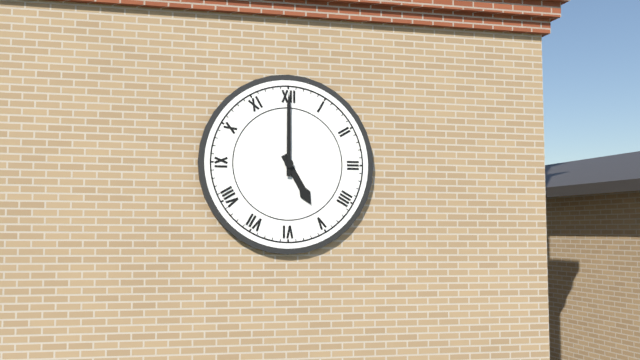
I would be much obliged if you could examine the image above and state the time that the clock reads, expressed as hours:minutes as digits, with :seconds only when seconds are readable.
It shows 5:00
